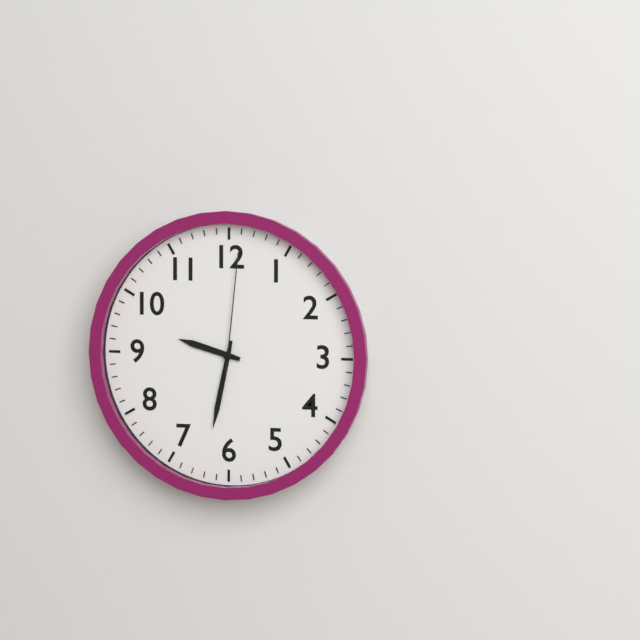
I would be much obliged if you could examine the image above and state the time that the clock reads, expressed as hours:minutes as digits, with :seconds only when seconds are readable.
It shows 9:32:01
